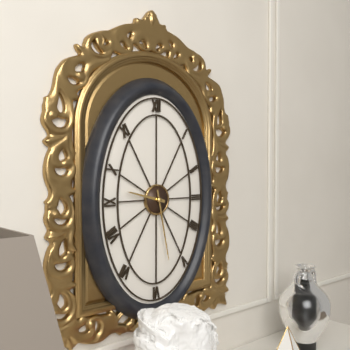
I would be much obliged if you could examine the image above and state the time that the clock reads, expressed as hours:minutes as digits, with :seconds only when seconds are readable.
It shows 9:28
